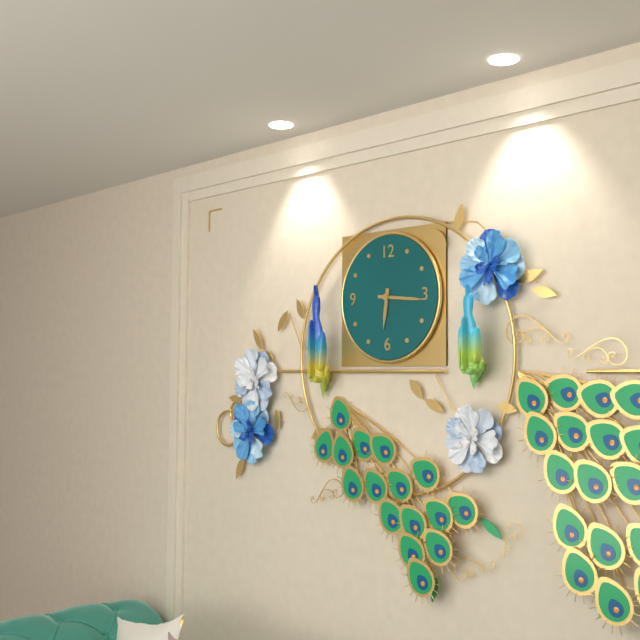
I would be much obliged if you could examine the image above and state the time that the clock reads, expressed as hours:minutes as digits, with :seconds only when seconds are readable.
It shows 6:16
